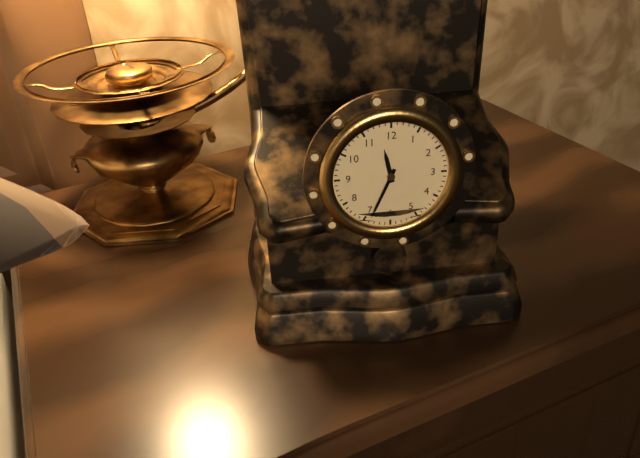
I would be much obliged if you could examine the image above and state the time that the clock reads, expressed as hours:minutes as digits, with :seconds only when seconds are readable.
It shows 11:34
